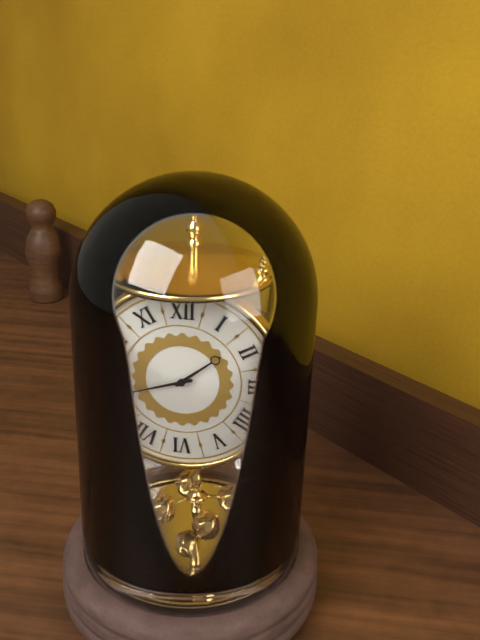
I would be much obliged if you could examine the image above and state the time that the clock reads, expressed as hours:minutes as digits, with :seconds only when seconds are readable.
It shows 1:42
